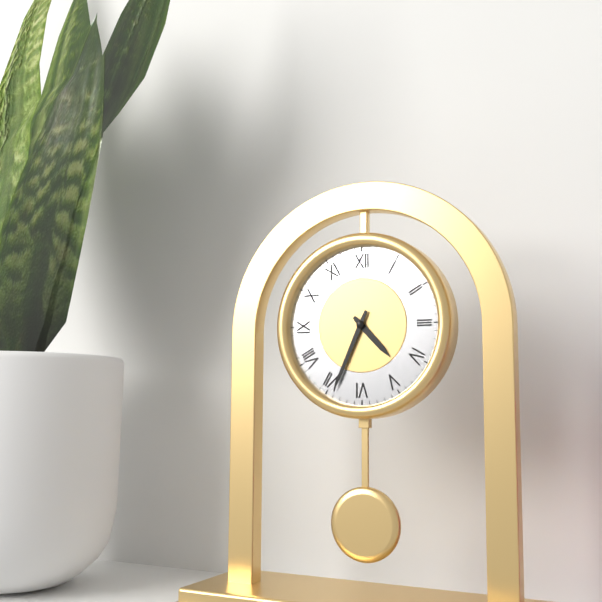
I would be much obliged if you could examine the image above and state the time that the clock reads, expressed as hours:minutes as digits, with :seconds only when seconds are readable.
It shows 4:34
